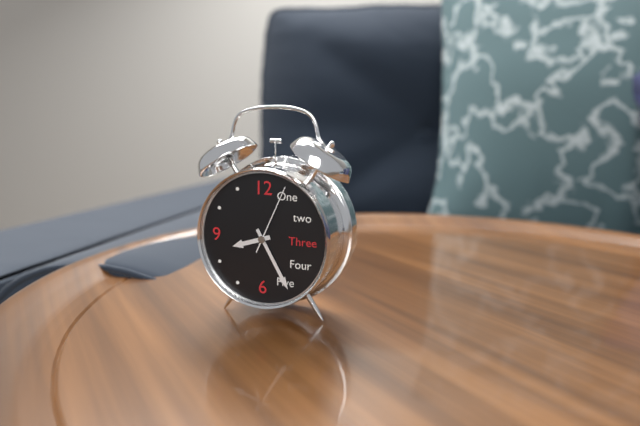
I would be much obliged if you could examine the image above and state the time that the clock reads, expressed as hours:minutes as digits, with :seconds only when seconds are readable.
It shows 8:25:04
